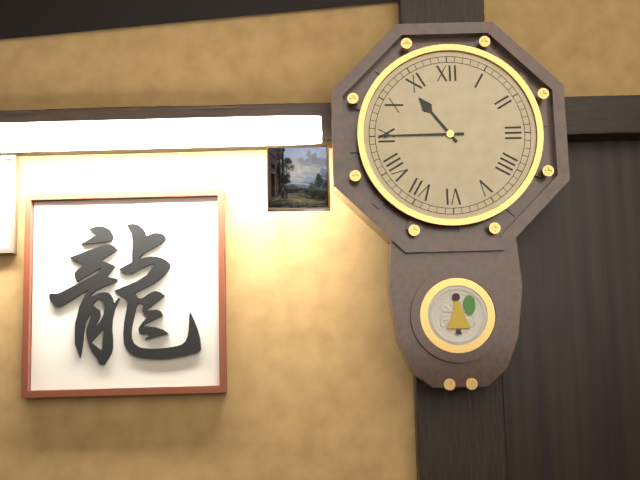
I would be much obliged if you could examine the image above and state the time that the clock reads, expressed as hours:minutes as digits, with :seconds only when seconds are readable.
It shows 10:45
